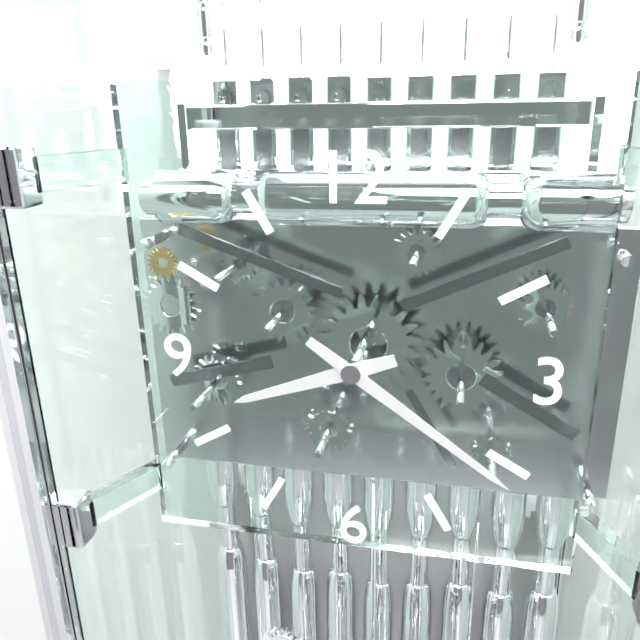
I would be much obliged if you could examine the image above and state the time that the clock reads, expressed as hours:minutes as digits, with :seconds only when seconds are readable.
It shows 8:21
